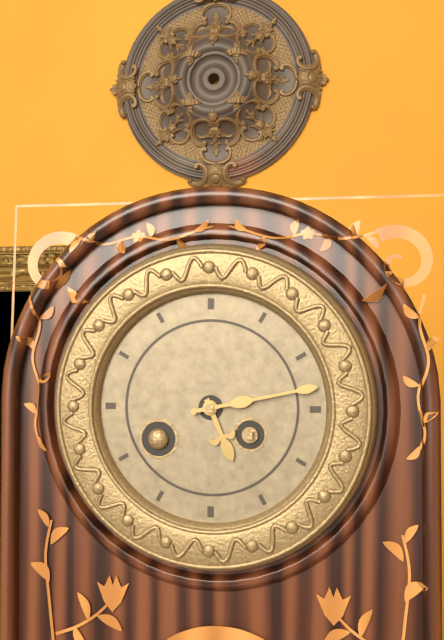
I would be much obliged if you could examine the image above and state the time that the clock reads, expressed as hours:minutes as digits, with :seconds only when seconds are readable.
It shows 5:13
